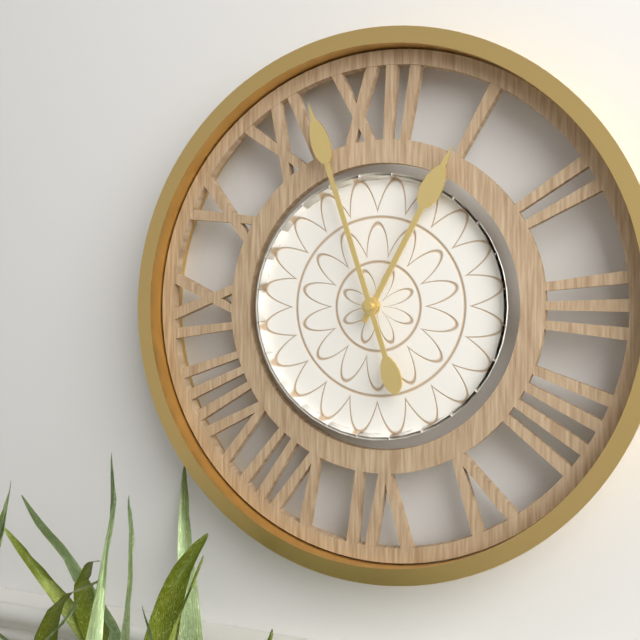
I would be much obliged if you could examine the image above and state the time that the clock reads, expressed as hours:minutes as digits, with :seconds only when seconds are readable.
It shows 12:57
